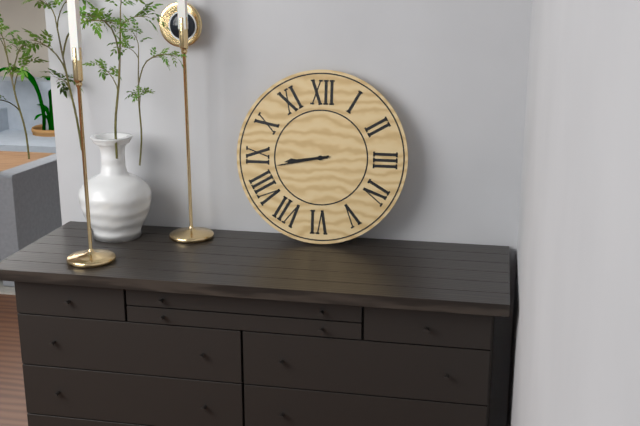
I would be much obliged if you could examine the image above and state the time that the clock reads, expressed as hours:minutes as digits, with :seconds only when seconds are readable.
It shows 8:43
